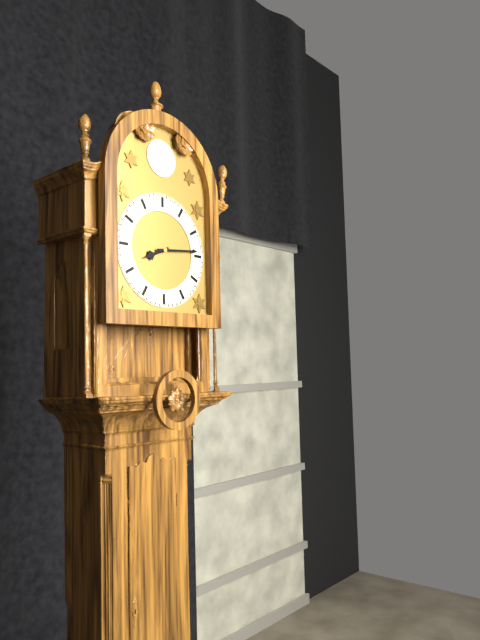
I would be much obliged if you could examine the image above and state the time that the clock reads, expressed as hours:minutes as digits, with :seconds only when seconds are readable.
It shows 8:14
